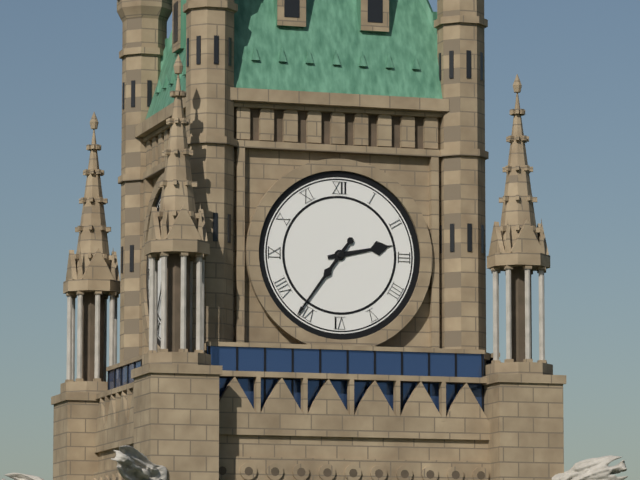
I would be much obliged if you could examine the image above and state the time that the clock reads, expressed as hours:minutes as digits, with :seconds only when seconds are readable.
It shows 2:36
